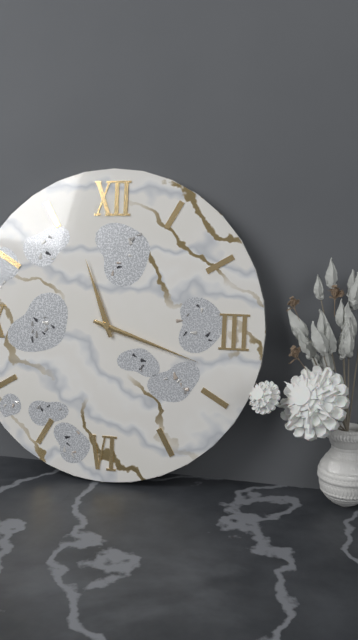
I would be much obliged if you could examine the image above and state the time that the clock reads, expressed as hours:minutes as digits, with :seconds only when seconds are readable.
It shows 11:18
